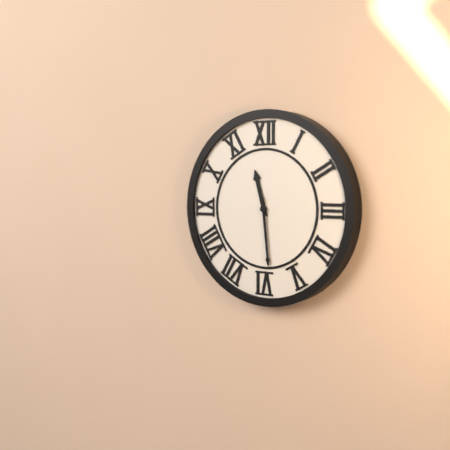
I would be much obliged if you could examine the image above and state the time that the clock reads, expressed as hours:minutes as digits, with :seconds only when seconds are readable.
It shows 11:29
